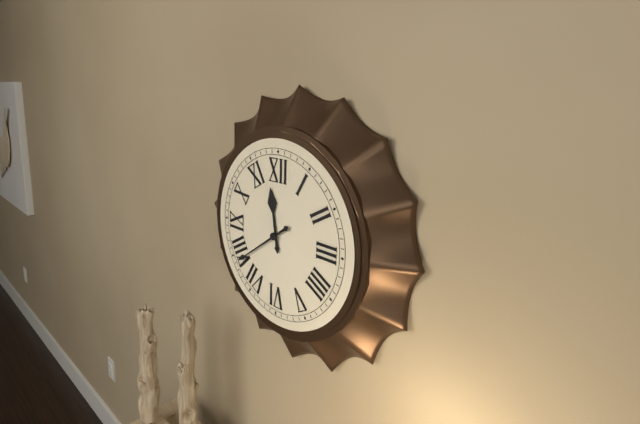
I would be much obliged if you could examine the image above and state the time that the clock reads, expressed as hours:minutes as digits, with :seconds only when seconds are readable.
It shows 11:39
